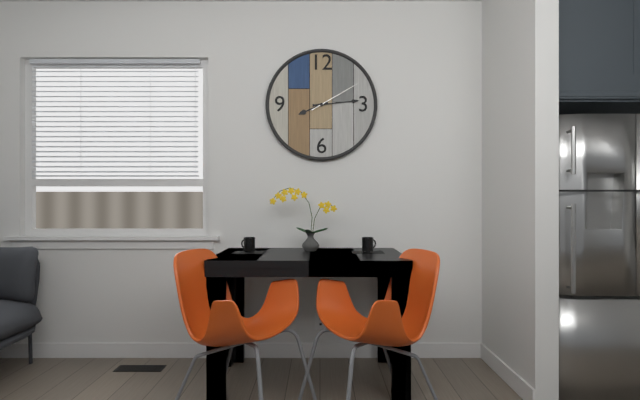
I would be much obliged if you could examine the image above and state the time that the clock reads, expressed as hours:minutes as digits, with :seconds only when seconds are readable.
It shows 8:14:10
